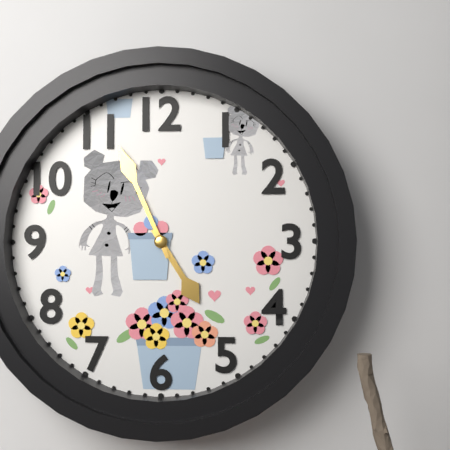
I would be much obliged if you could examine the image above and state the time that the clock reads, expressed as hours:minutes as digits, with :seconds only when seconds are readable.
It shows 4:56
